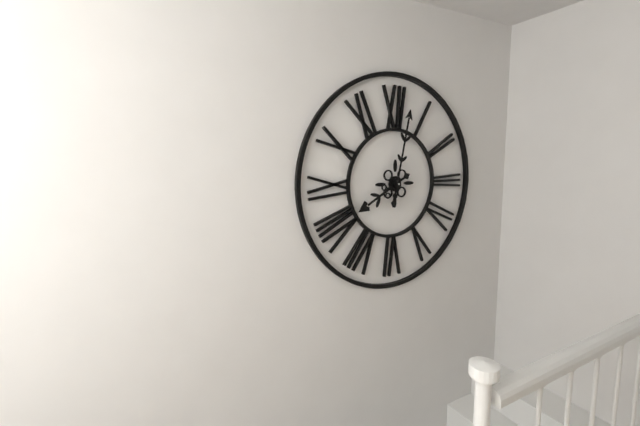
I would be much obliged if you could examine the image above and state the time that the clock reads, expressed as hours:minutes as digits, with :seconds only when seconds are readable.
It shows 8:02
